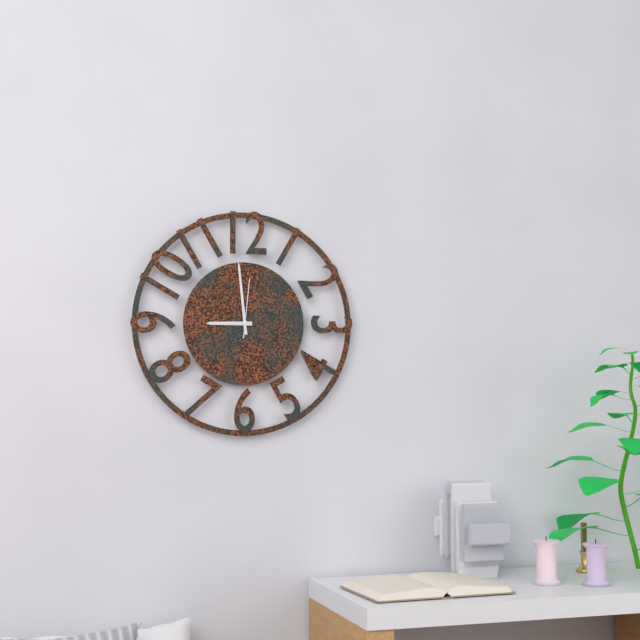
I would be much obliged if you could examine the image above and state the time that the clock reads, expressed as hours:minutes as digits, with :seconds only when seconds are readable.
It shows 8:59:01
